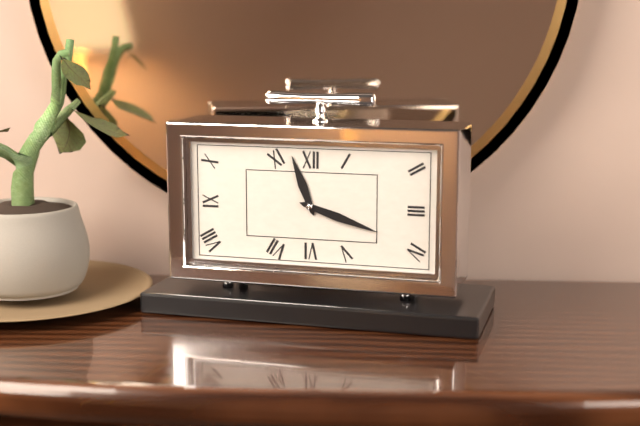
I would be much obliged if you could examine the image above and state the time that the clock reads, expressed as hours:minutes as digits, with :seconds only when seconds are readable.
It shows 11:18
